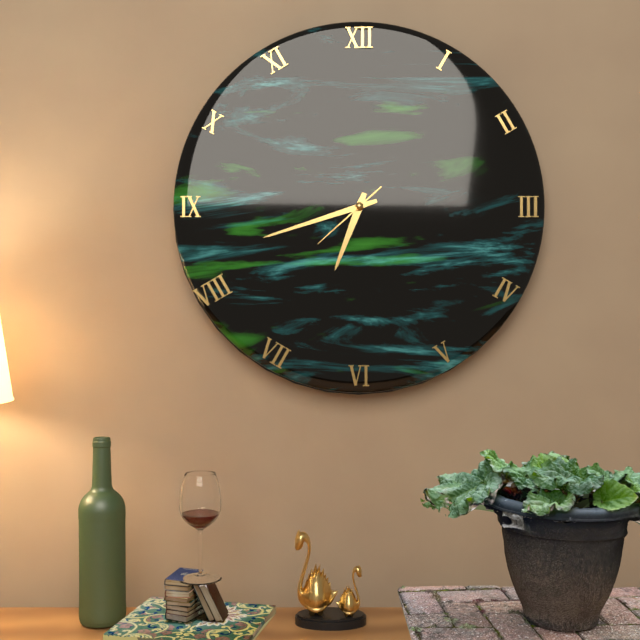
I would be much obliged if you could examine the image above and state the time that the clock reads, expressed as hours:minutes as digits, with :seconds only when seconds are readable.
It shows 6:42:38
